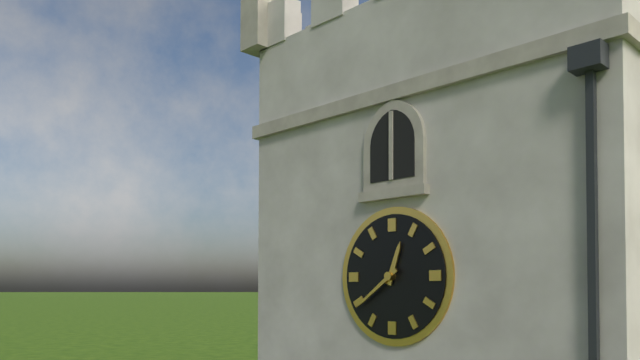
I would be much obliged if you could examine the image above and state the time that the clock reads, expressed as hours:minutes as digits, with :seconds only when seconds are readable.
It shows 12:39
